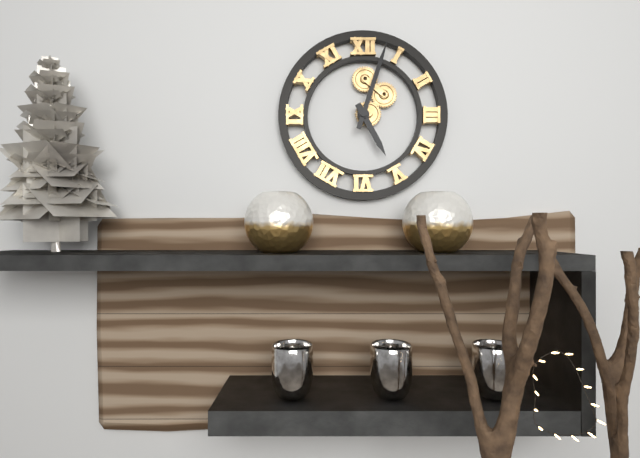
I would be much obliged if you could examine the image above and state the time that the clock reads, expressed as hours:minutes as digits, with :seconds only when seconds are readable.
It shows 5:03
